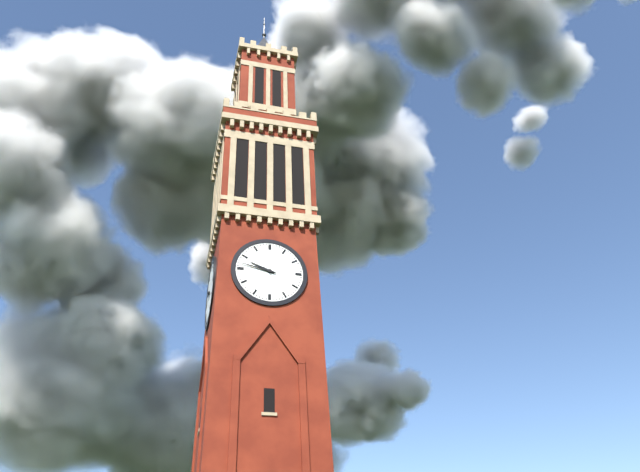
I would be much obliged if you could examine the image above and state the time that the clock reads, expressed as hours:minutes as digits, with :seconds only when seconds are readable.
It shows 9:47
